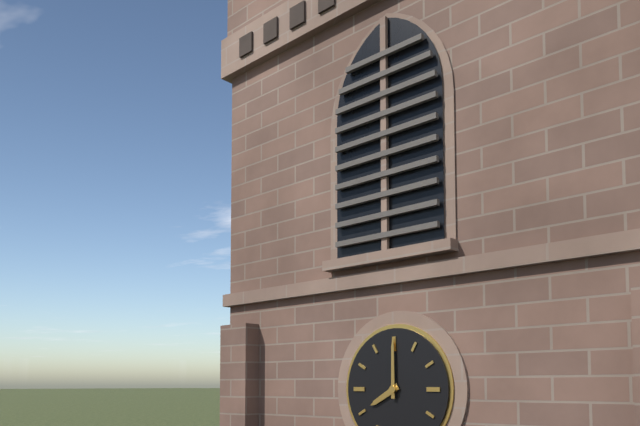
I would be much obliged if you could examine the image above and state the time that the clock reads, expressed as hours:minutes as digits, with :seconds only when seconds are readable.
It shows 8:00
